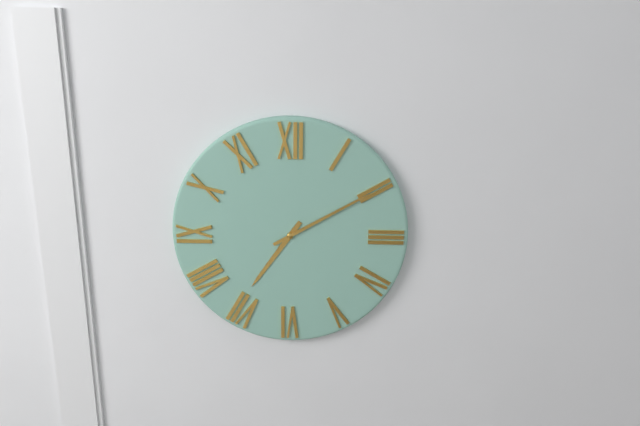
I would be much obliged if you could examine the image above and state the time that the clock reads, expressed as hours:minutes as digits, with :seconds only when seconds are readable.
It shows 7:10
